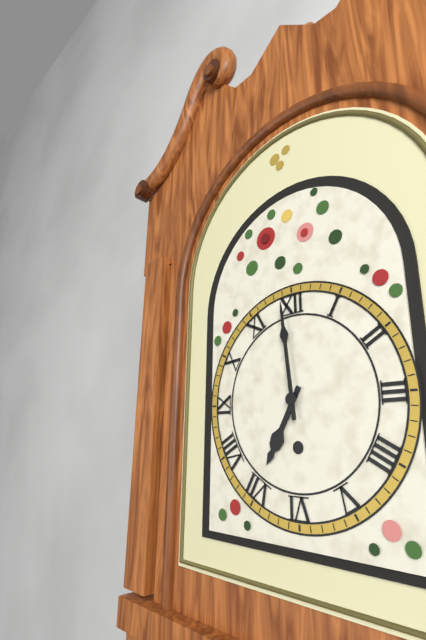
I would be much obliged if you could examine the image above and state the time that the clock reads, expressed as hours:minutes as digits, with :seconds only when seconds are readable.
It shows 6:59
